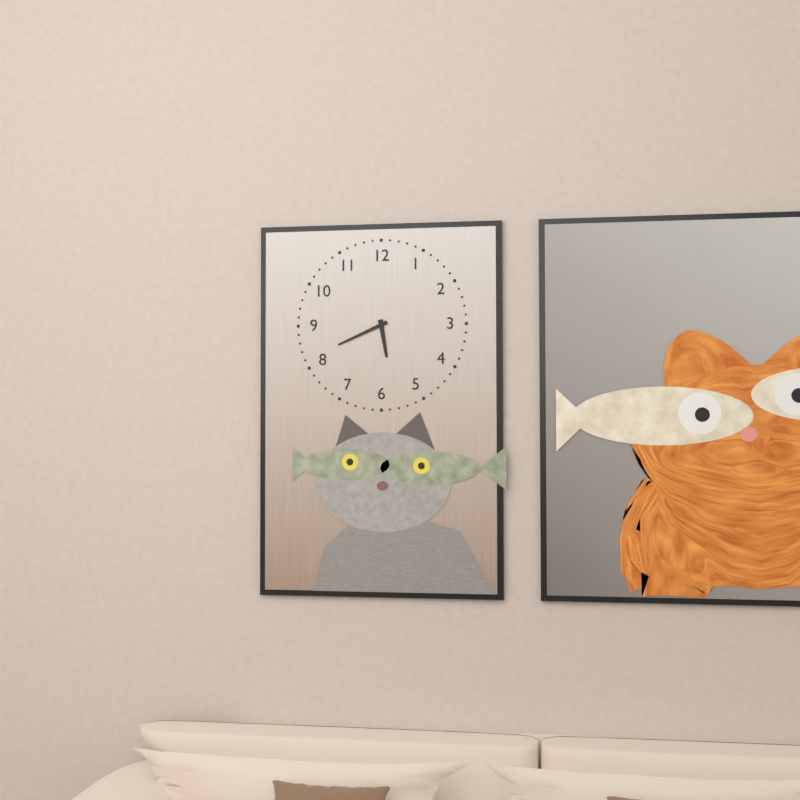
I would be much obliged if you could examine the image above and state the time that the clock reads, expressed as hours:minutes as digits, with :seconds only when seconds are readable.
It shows 5:41
